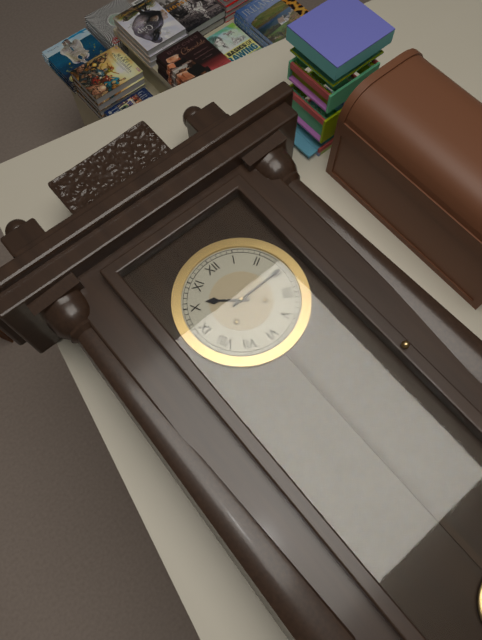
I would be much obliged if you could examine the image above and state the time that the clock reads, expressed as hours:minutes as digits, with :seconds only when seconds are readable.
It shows 10:15
